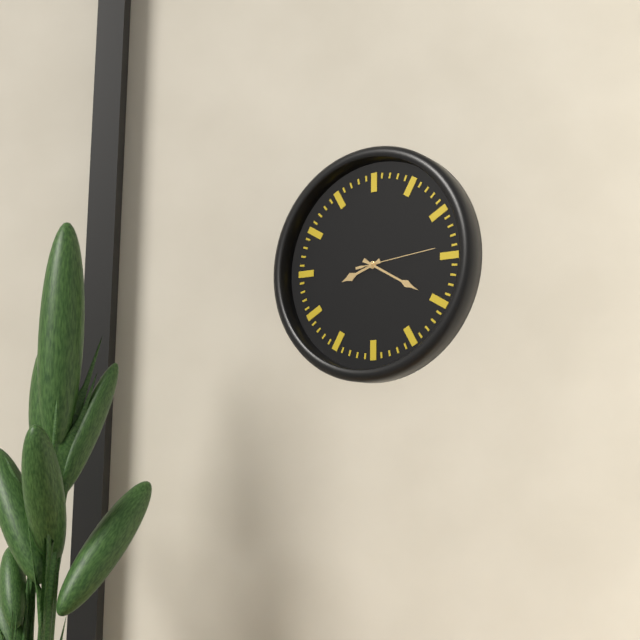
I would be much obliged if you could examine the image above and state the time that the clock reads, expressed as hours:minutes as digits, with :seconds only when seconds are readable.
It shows 8:20:14
